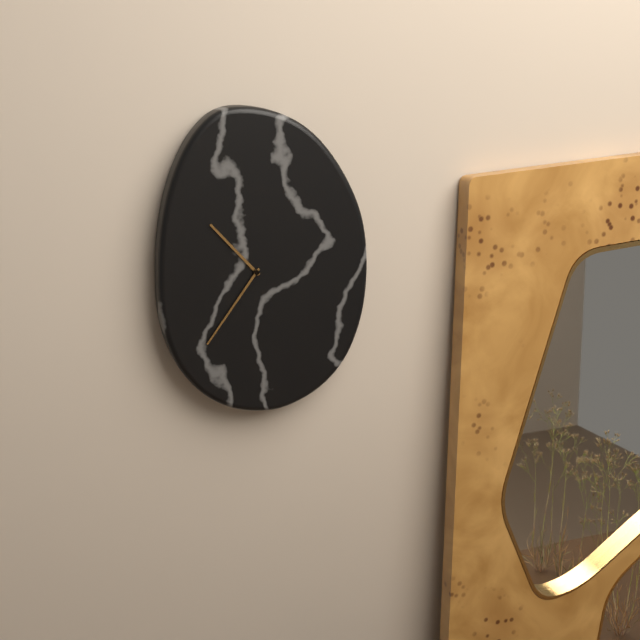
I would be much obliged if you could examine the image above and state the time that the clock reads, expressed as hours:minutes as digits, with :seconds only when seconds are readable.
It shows 10:36
